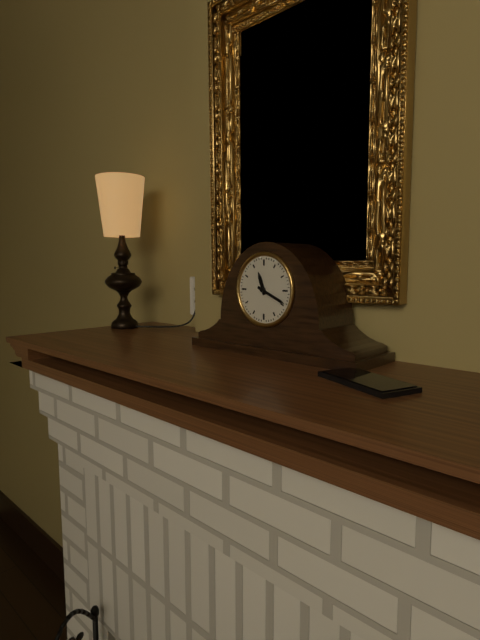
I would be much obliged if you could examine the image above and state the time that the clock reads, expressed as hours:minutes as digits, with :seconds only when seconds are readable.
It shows 11:19
